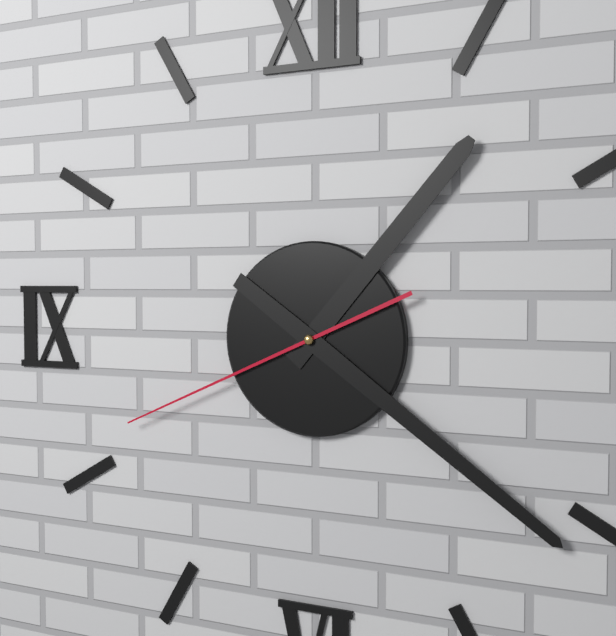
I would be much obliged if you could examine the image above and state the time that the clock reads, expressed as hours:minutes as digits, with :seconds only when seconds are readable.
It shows 1:21:41
